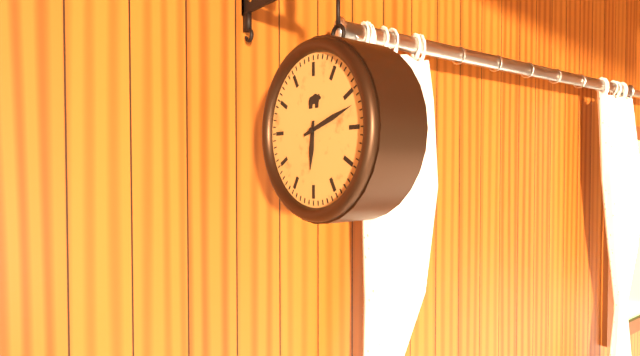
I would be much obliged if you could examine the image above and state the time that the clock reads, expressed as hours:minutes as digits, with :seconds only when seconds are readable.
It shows 6:12
